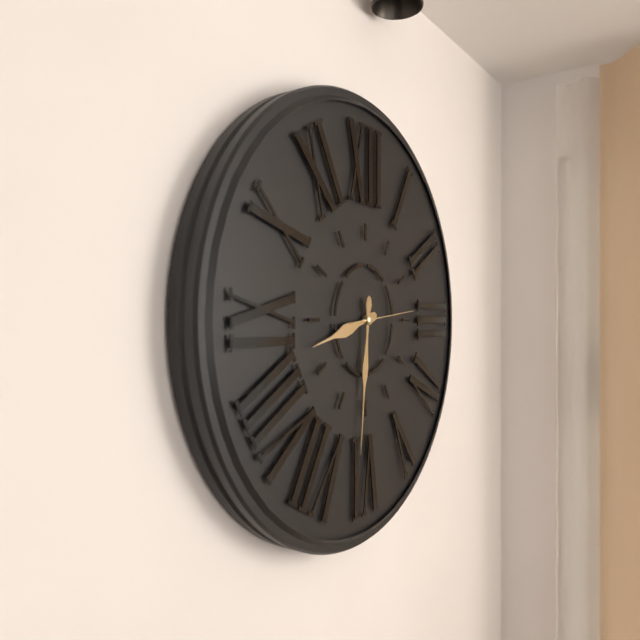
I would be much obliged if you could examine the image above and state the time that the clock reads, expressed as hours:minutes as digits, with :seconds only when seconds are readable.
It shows 8:31:14
